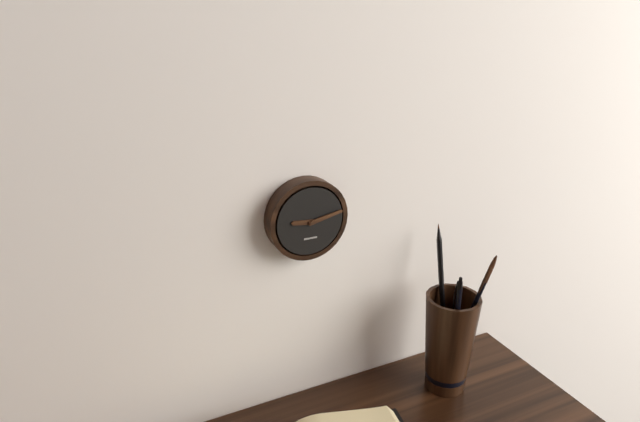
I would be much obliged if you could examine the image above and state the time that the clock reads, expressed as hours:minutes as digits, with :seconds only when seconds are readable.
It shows 9:13
